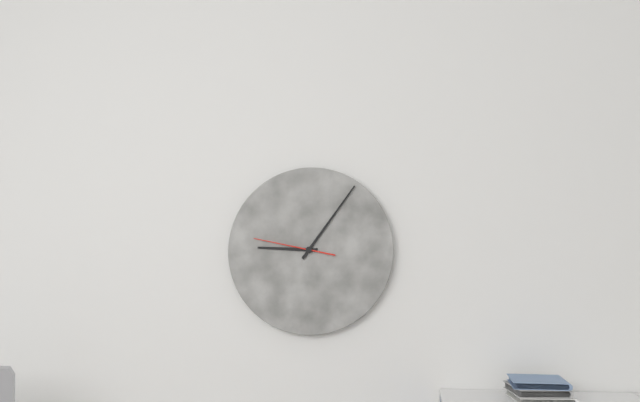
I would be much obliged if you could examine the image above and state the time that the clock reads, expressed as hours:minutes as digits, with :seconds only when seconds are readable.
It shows 9:06:47
